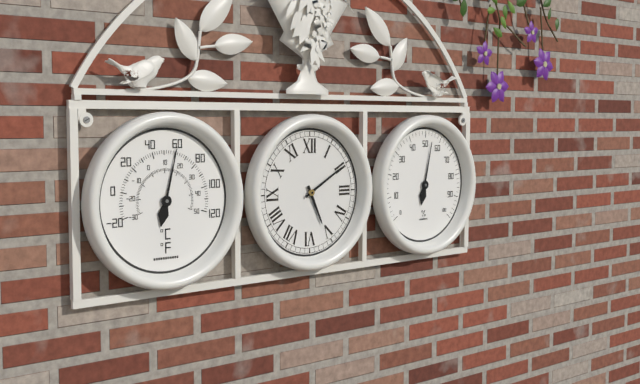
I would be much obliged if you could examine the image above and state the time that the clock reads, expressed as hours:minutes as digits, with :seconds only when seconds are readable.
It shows 5:10
